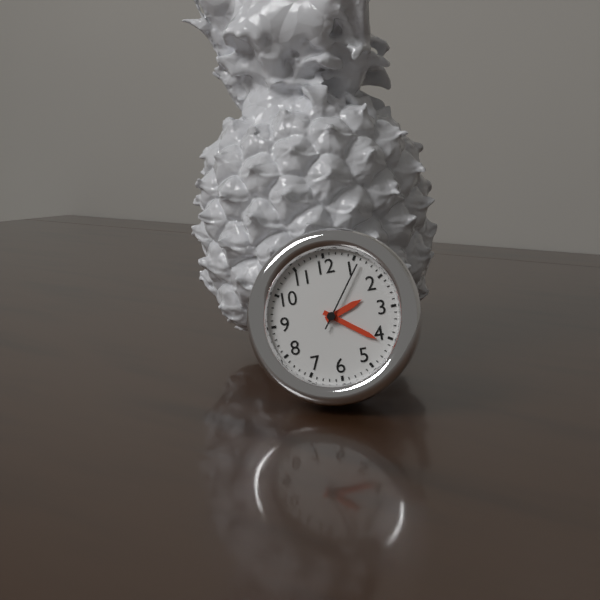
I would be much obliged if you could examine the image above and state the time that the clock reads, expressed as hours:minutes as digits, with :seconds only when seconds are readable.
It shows 2:21:06
